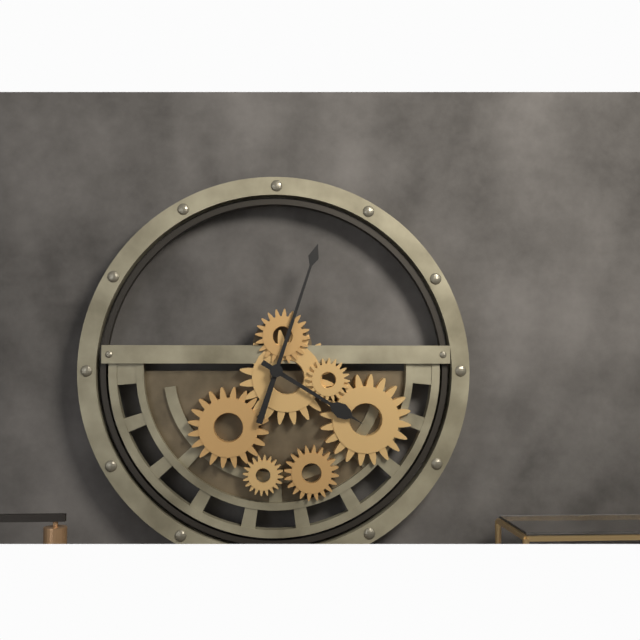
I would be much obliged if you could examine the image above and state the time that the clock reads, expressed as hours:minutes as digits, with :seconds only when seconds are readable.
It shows 4:03
